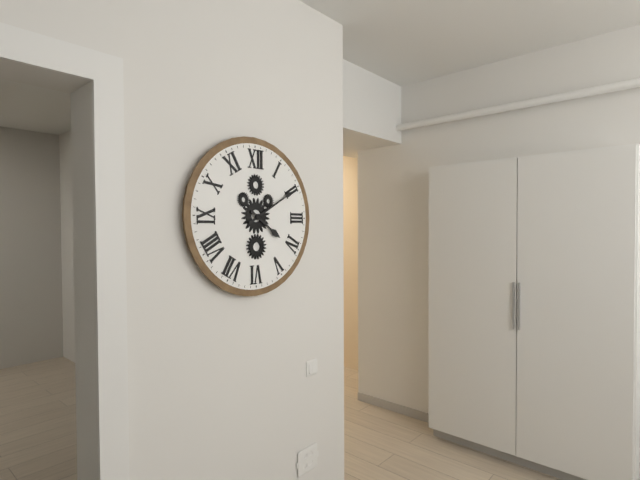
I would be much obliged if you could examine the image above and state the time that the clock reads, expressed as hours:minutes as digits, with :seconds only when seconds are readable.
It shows 4:10
